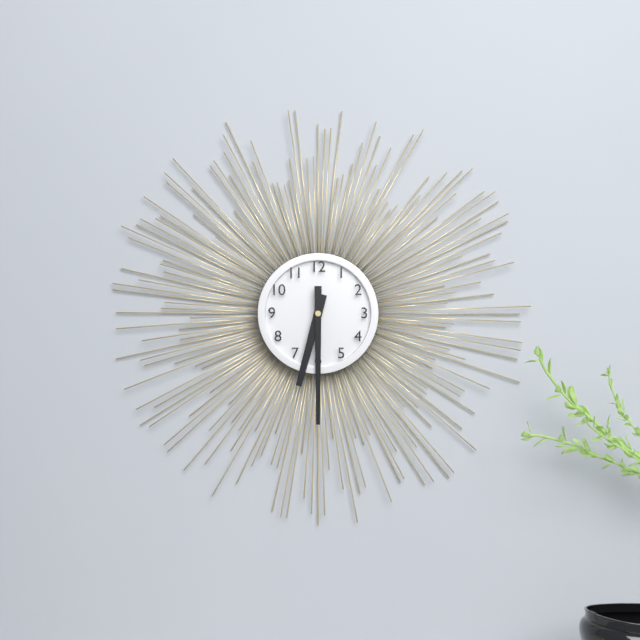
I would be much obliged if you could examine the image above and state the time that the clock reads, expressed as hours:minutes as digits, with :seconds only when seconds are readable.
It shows 6:30
